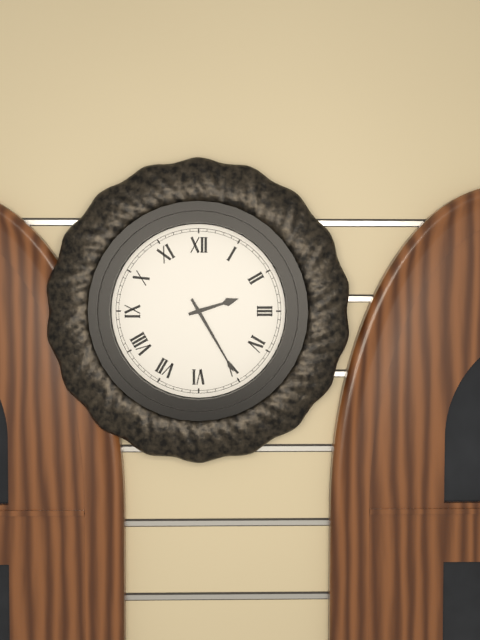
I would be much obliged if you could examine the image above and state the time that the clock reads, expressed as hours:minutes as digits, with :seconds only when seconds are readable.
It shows 2:25
